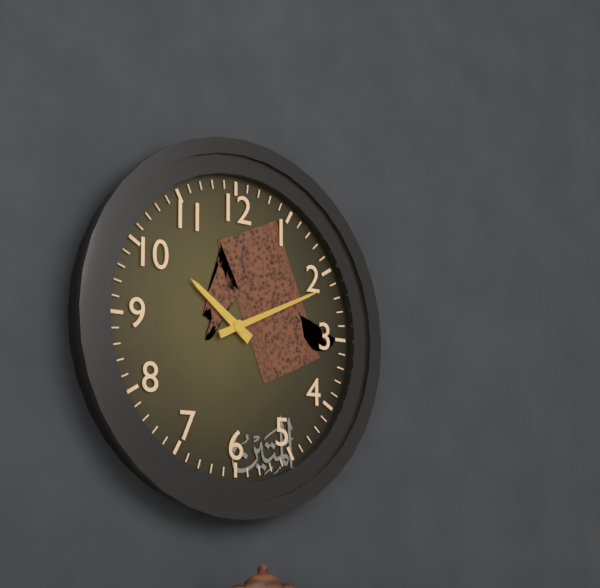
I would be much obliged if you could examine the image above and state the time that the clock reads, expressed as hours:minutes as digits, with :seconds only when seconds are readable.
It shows 10:11
